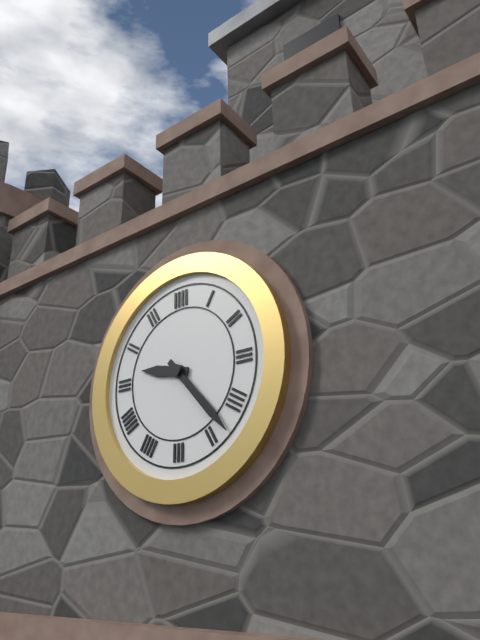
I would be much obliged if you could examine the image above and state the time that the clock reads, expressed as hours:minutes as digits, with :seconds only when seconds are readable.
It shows 9:23
